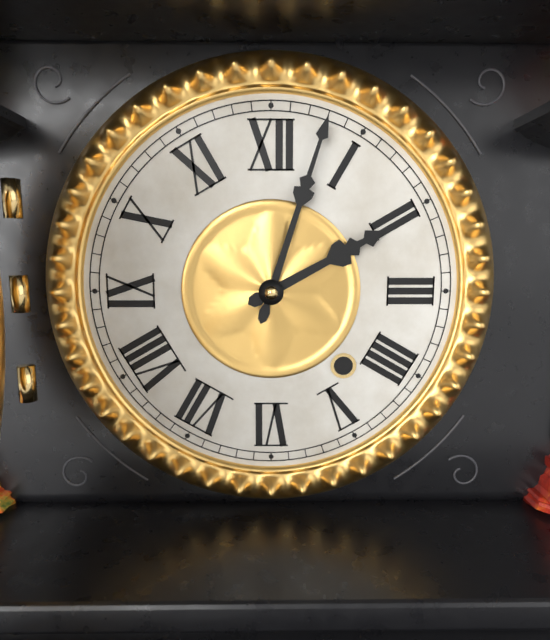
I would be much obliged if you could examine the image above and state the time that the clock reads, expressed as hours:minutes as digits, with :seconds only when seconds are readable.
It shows 2:03
